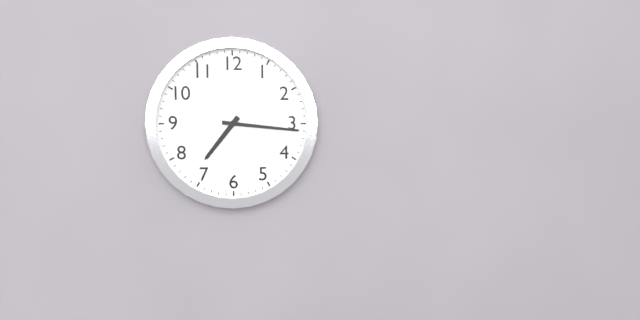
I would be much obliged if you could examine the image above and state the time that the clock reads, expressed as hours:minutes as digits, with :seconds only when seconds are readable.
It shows 7:16
